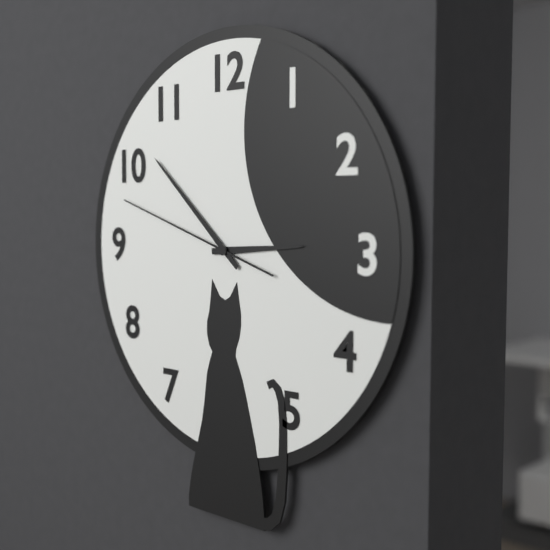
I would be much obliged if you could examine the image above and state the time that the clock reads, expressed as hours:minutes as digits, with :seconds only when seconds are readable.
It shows 2:52:48
